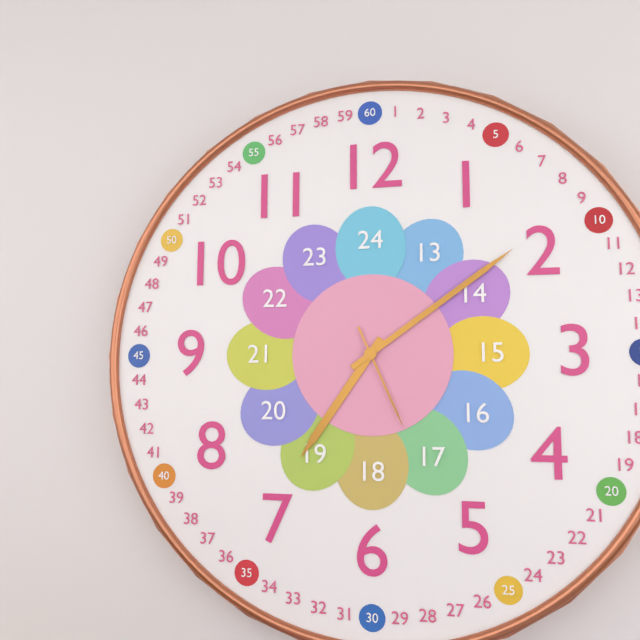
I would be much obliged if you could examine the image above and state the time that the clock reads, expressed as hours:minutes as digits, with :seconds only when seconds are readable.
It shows 7:09:26
